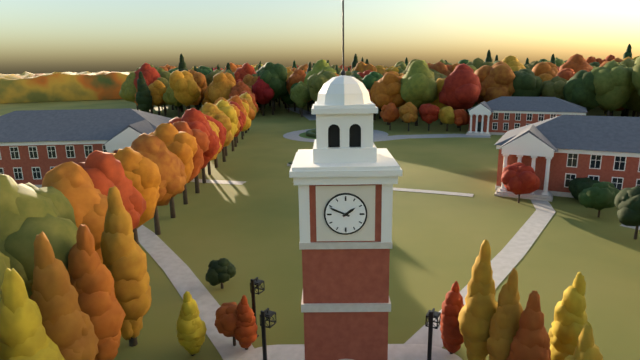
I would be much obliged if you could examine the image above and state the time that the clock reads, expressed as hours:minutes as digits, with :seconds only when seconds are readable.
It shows 1:49
